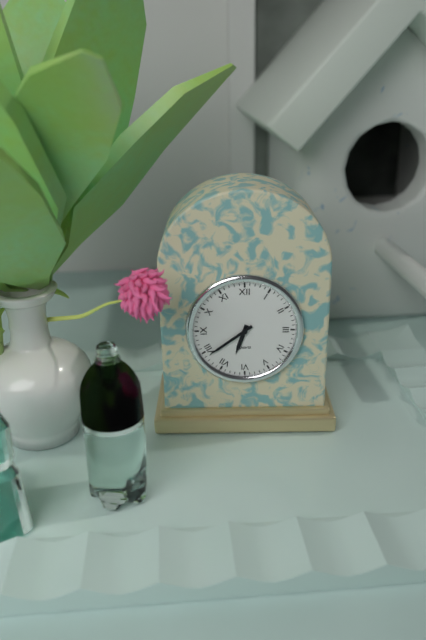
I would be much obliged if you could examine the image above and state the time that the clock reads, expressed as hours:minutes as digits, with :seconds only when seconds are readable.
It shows 6:39
